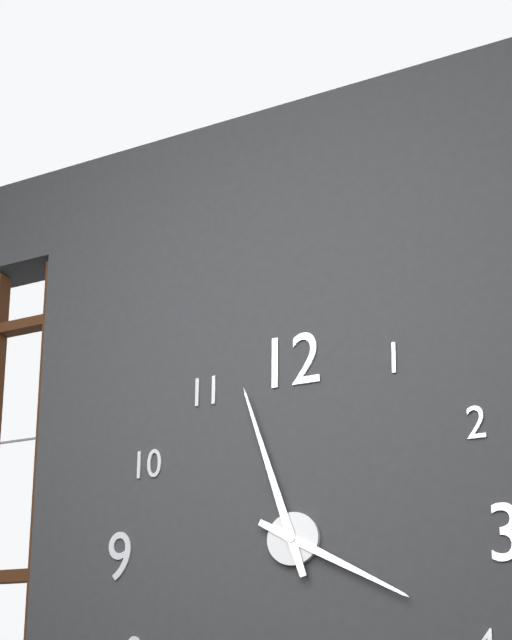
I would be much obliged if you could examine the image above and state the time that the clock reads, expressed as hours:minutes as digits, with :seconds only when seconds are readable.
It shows 3:57
